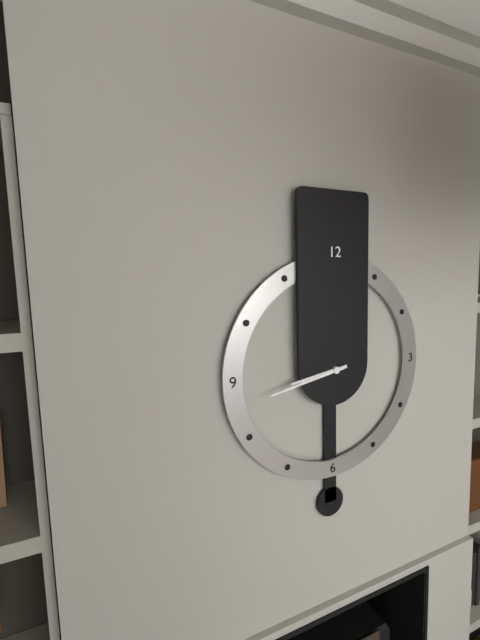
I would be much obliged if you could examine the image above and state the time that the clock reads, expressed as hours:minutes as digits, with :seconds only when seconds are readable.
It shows 8:43
